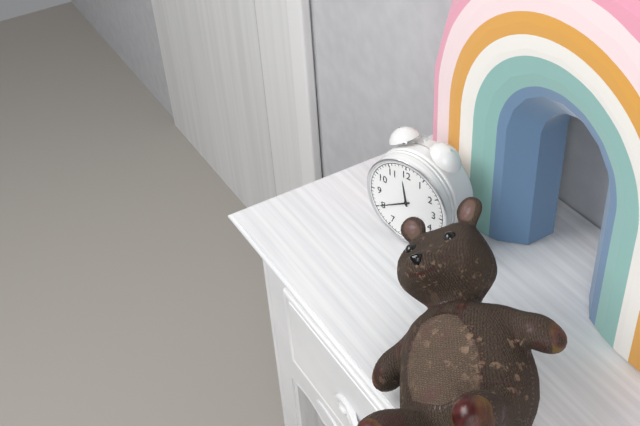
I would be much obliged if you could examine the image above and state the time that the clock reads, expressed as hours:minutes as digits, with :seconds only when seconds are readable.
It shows 11:40
